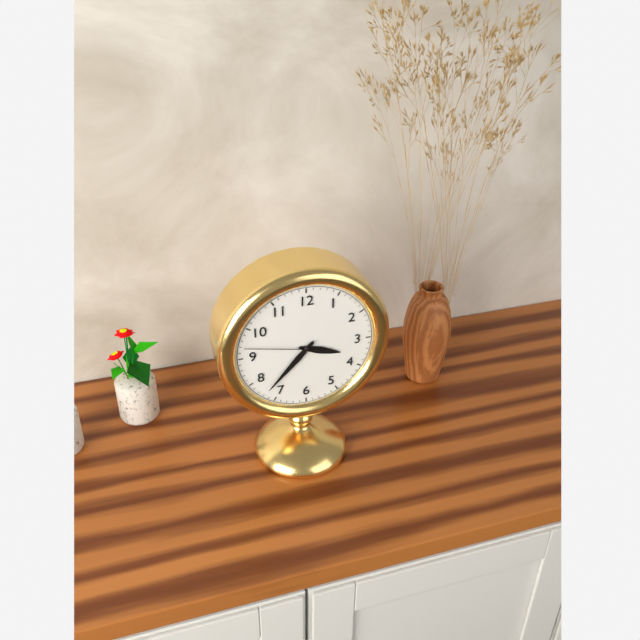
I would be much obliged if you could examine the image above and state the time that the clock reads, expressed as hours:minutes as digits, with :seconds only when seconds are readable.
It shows 3:37:47
